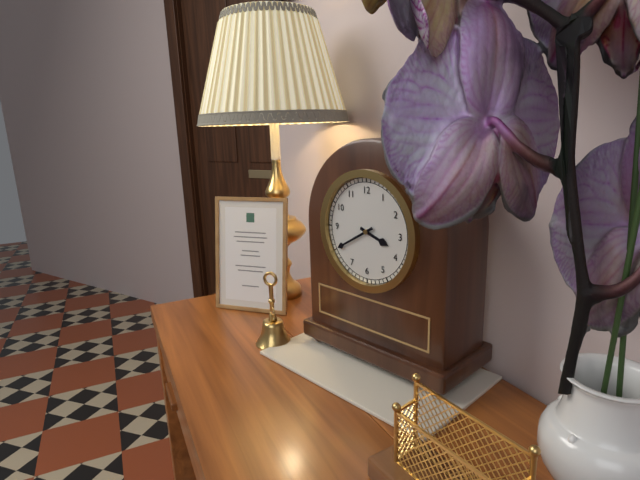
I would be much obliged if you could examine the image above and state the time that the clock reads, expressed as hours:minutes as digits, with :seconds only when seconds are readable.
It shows 3:40
